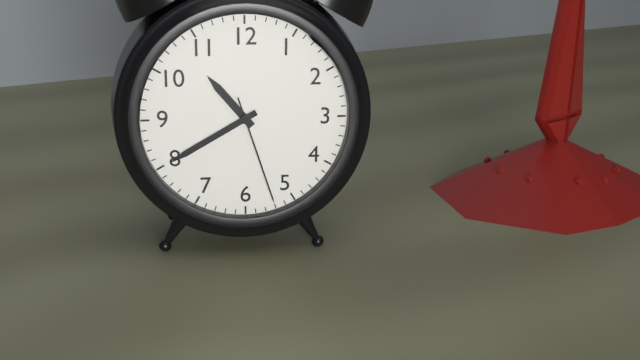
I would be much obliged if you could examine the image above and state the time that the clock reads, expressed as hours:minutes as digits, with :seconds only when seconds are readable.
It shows 10:40:27
